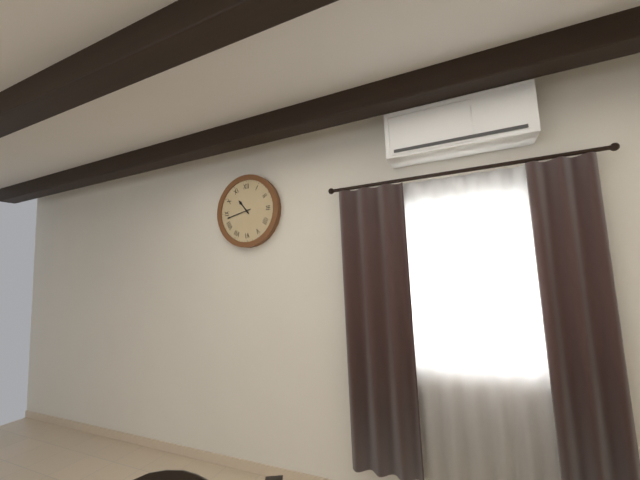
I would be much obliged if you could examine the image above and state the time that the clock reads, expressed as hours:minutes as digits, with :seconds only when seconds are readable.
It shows 10:43
